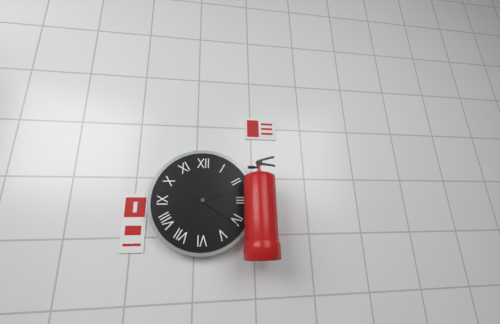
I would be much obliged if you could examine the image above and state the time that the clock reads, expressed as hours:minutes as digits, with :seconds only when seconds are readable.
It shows 2:21
